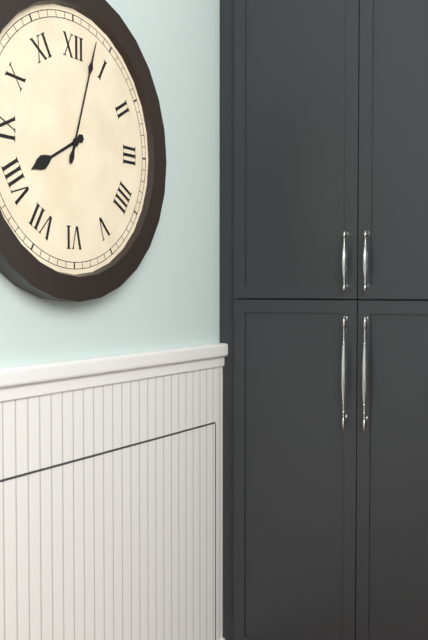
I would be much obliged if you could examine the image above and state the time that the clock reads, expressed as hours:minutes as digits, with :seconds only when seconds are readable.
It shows 8:03
